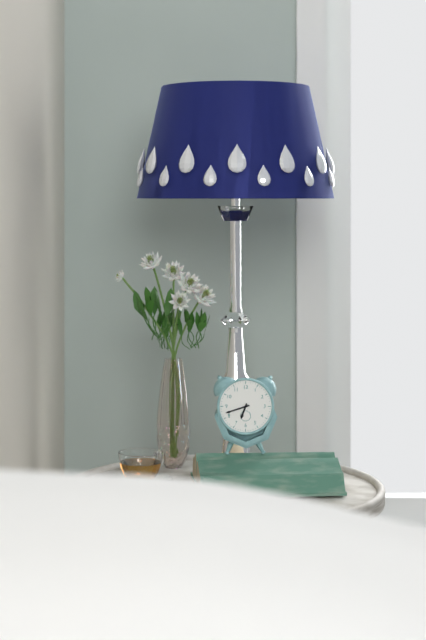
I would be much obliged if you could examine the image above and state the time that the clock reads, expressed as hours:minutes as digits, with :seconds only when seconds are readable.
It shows 6:42
